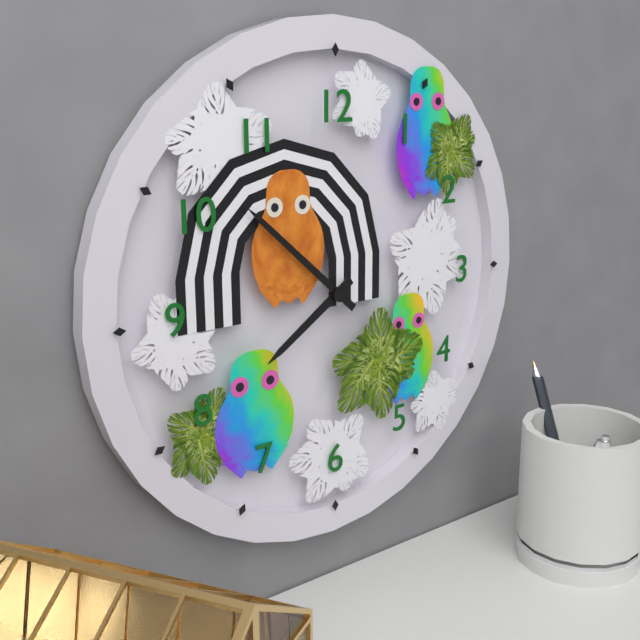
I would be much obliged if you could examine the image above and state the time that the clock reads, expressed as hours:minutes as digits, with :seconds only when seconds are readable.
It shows 7:52
